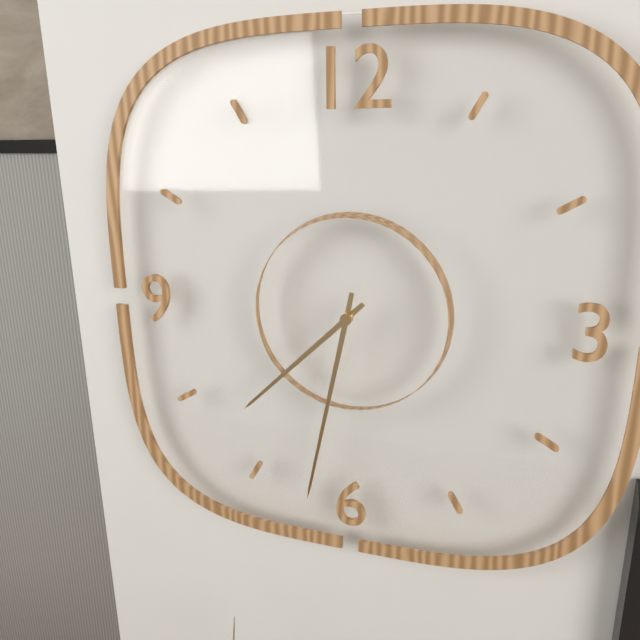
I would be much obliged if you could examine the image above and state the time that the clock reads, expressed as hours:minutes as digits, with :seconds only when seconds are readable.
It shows 7:32
